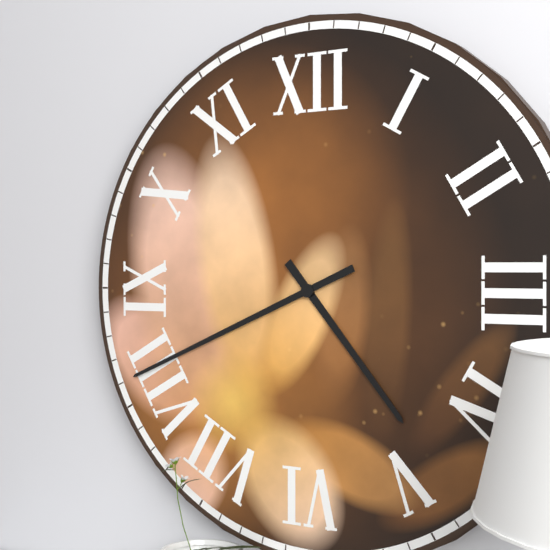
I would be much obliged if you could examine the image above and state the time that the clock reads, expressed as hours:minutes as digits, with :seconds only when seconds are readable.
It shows 4:41
